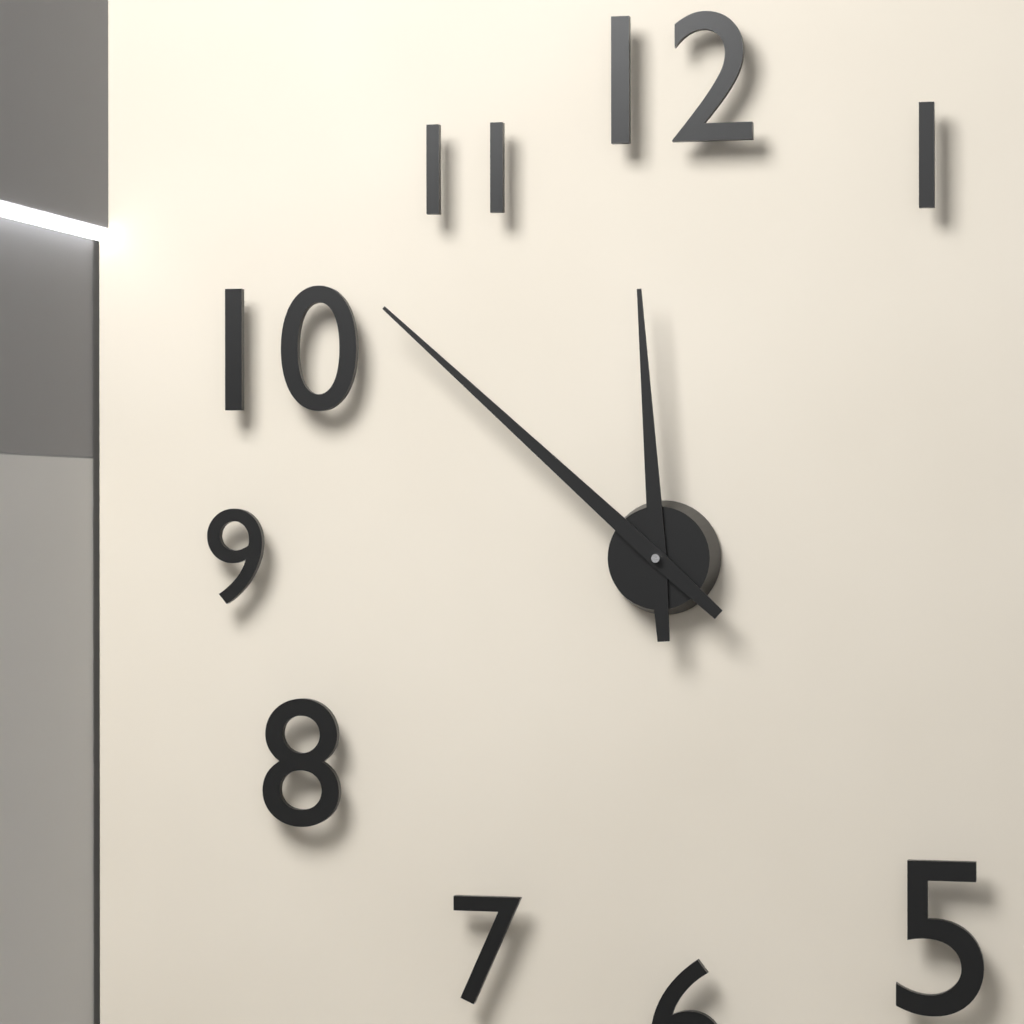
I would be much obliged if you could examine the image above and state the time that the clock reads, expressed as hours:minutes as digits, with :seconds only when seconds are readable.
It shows 11:52
